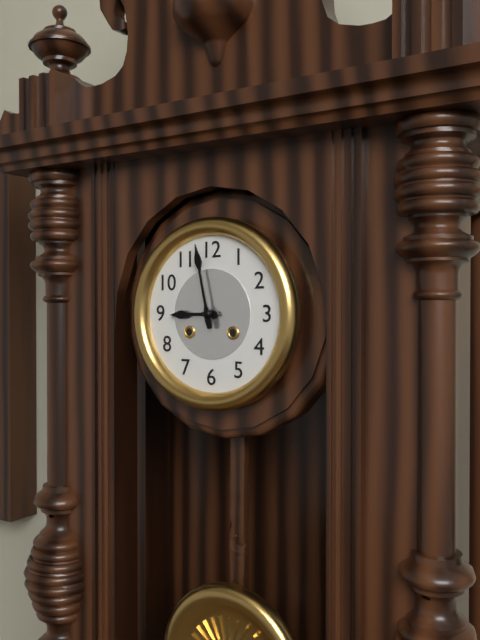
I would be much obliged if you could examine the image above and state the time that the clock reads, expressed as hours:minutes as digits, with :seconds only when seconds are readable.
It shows 8:58
